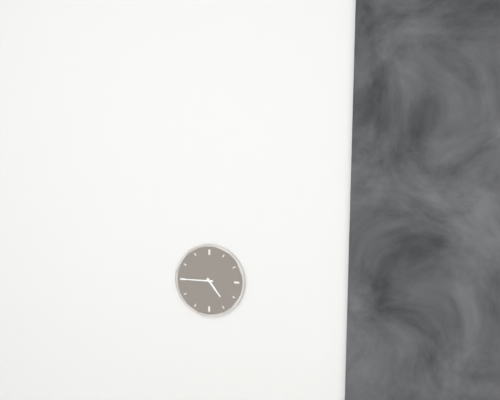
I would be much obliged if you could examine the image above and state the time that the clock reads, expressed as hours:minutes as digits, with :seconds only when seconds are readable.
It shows 4:45
